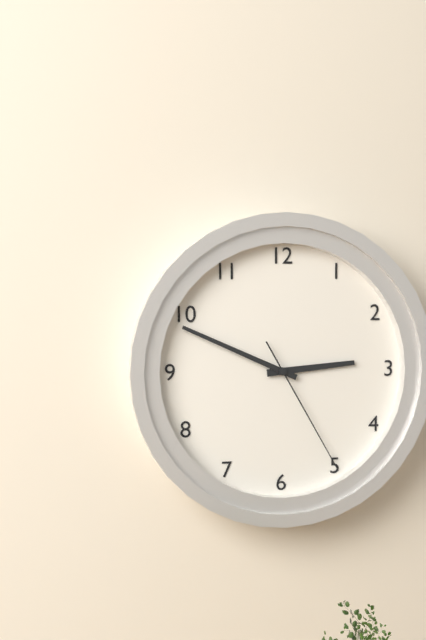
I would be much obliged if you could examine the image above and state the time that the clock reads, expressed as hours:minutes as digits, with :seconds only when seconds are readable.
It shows 2:49:25
